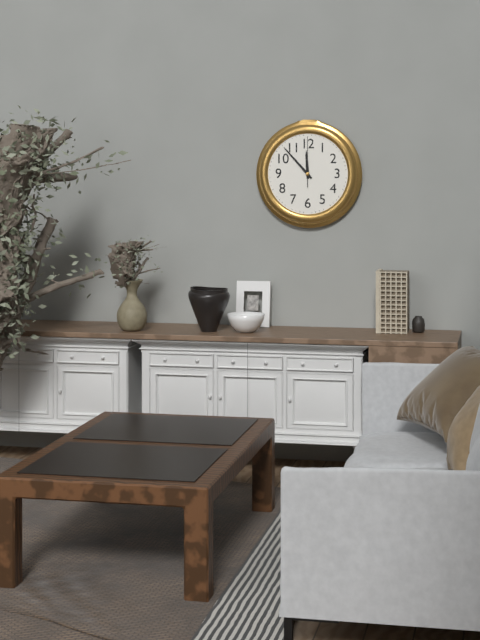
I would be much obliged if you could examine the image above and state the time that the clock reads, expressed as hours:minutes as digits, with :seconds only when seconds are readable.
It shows 11:53
